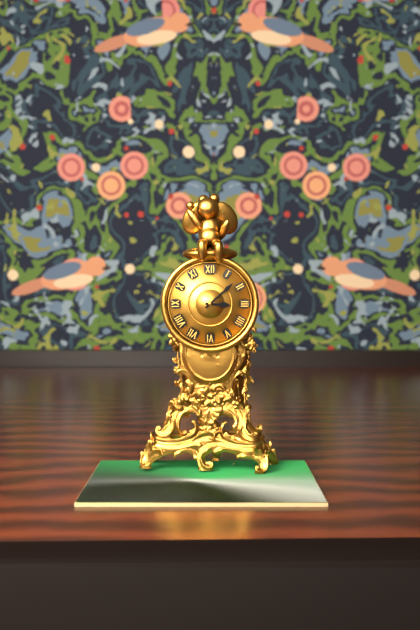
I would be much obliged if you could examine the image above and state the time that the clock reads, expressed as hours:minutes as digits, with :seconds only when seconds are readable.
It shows 3:08
